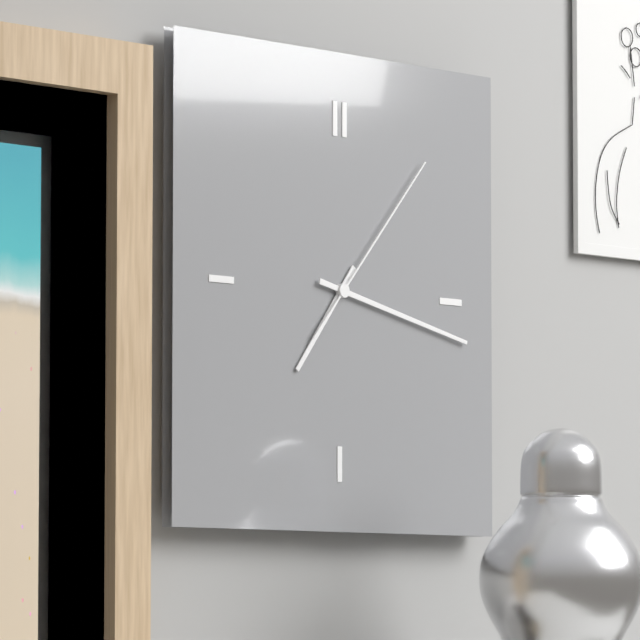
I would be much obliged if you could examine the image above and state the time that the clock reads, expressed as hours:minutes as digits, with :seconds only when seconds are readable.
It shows 7:17:07
